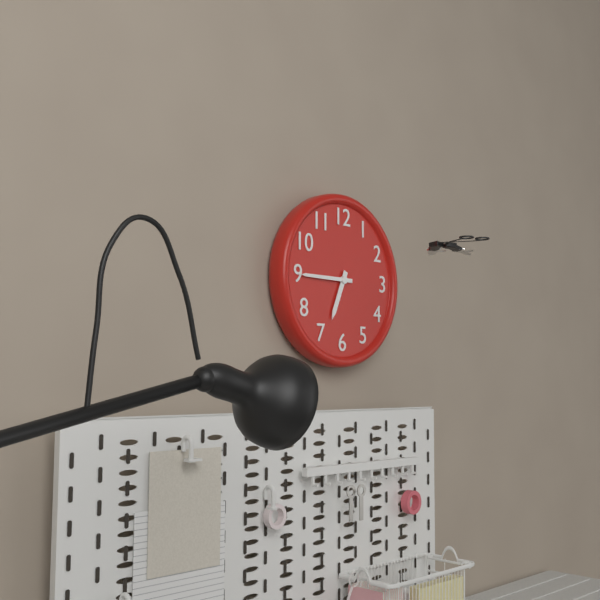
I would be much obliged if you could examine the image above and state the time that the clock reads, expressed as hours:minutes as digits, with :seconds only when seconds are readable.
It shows 6:45
